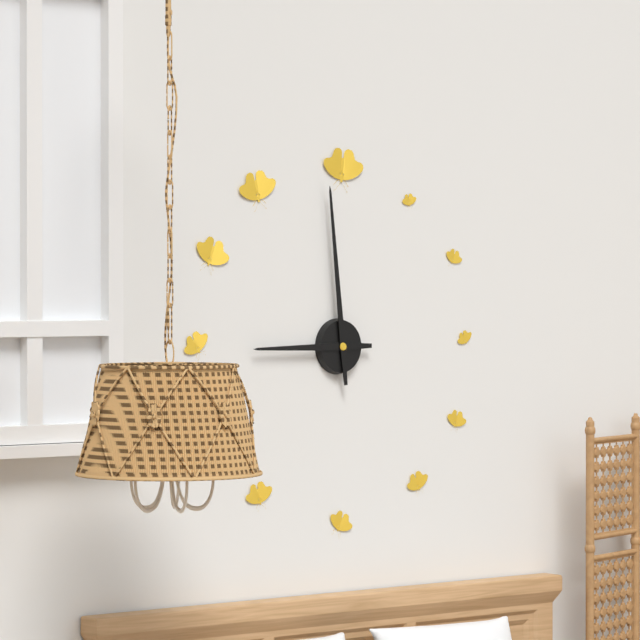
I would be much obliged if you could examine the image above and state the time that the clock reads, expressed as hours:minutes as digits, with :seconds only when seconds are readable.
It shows 8:59
